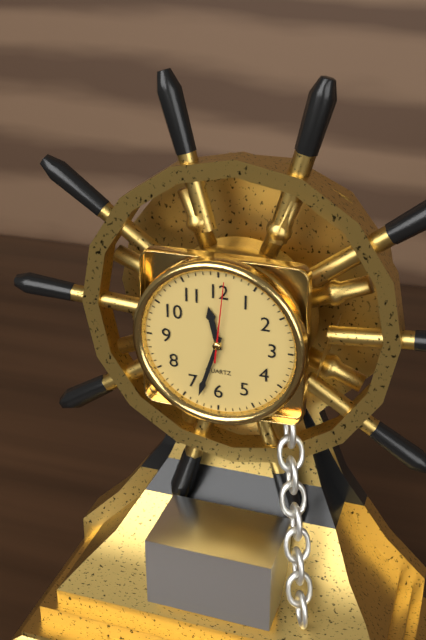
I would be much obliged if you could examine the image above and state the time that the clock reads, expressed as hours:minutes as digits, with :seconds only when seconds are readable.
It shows 11:33:01
